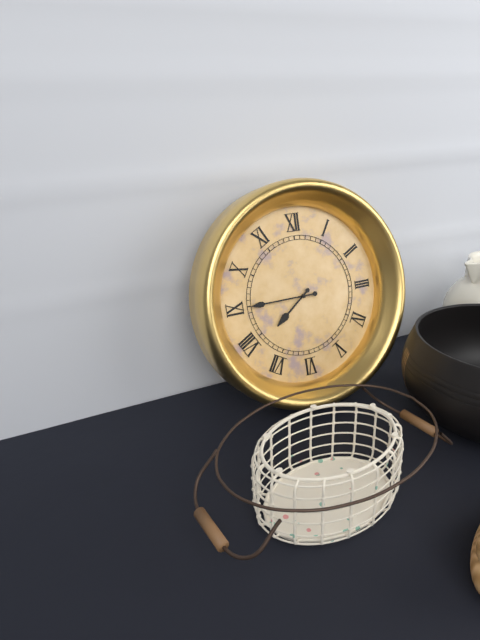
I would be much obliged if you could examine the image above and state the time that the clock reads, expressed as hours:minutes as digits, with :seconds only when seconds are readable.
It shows 7:45
